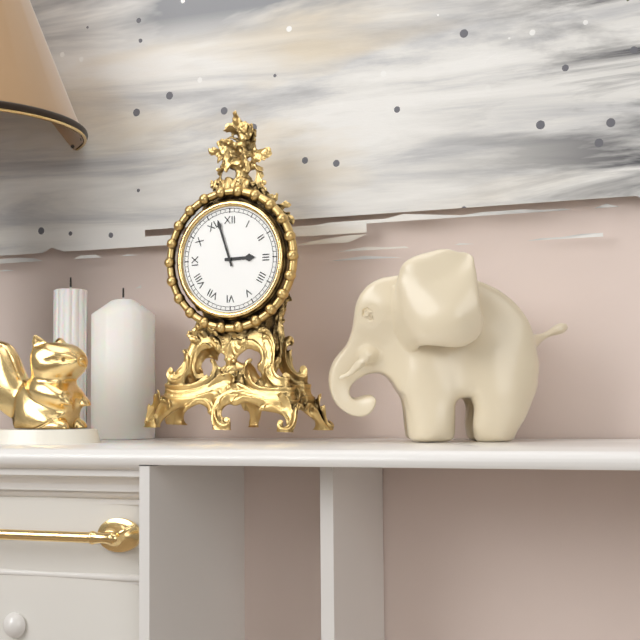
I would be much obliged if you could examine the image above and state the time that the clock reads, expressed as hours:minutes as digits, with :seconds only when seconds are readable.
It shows 2:57
